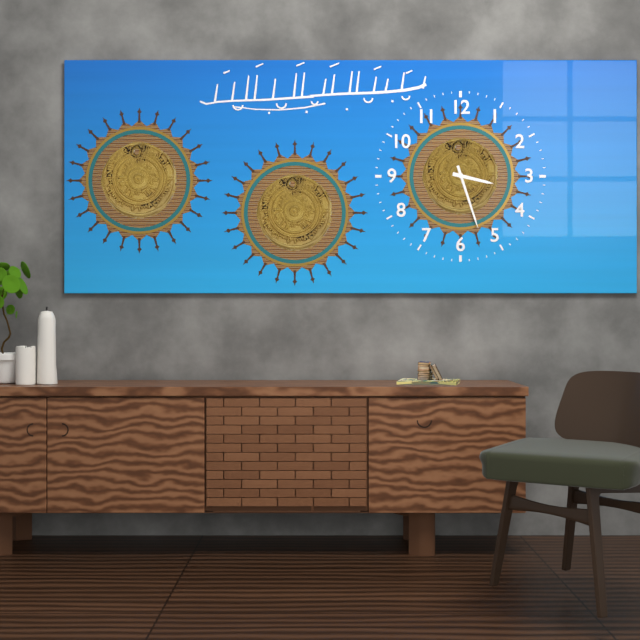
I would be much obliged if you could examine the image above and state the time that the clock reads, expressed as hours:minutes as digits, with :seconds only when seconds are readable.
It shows 3:27
